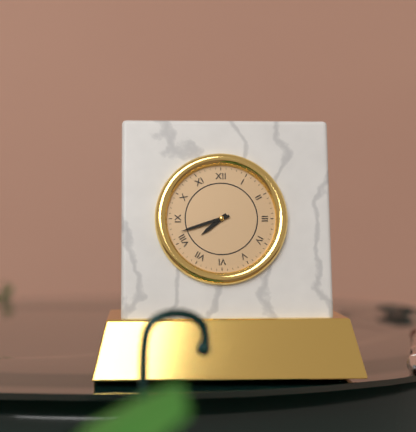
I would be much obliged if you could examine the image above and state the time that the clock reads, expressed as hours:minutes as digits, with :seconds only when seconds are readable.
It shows 7:42
